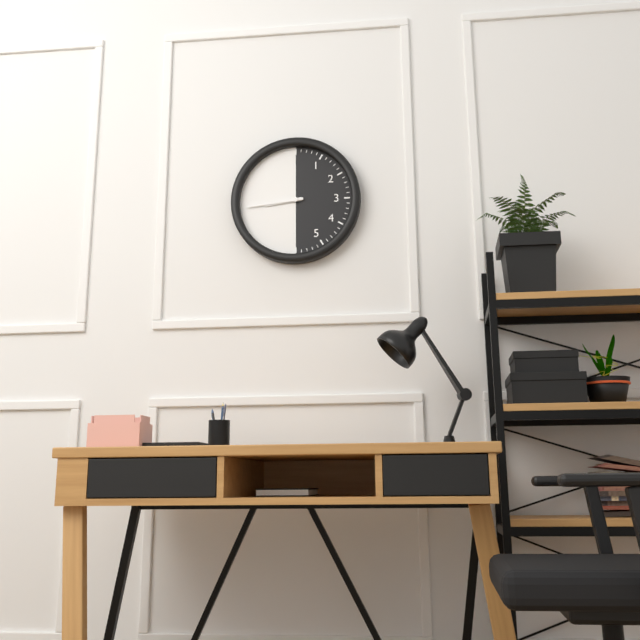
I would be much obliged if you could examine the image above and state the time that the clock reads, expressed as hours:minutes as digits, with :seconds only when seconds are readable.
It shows 8:44
